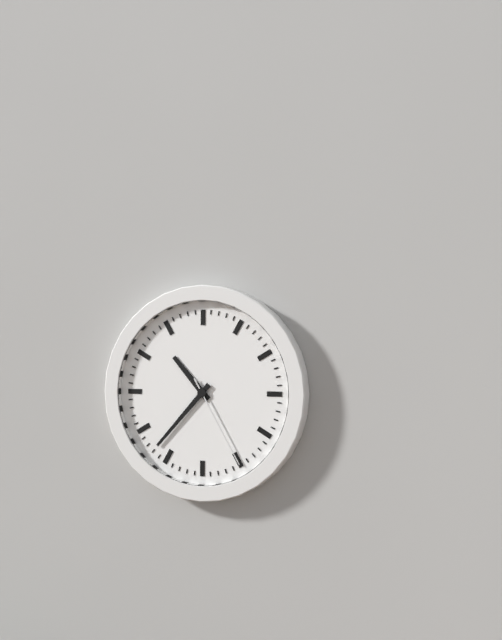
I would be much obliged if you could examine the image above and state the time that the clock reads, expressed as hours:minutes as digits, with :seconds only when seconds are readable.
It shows 10:37:25
